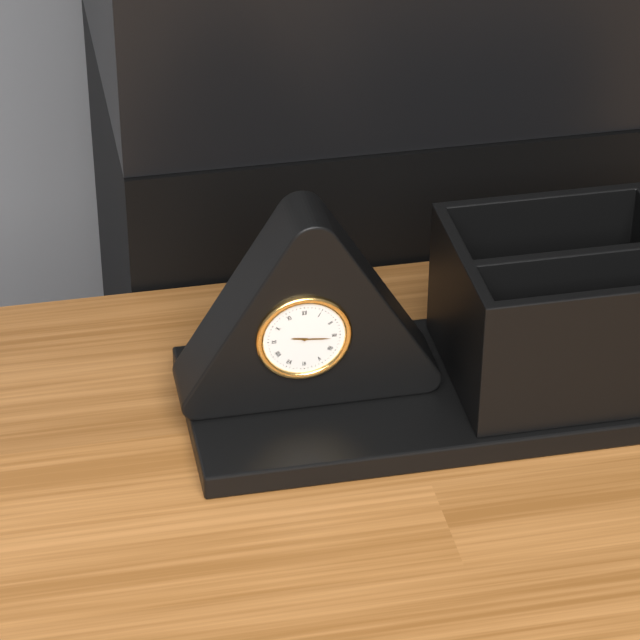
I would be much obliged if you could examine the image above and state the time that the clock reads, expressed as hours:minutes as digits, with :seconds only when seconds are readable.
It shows 9:16
